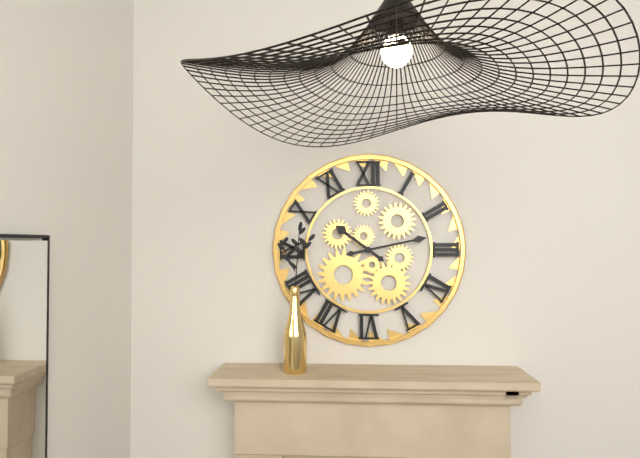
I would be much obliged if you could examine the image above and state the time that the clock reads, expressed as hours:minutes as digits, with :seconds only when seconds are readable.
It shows 10:13
